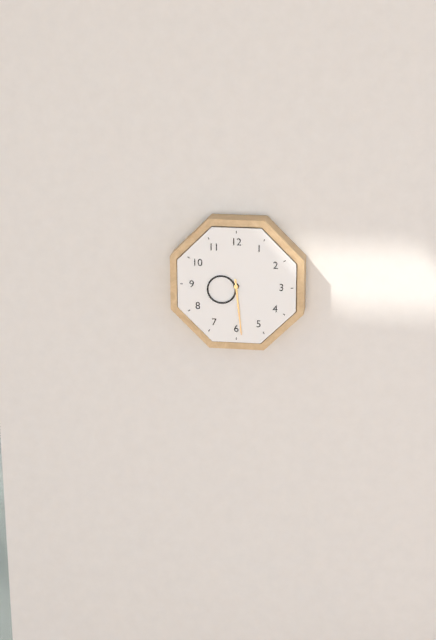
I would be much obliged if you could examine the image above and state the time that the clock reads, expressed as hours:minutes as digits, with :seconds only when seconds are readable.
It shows 8:29
